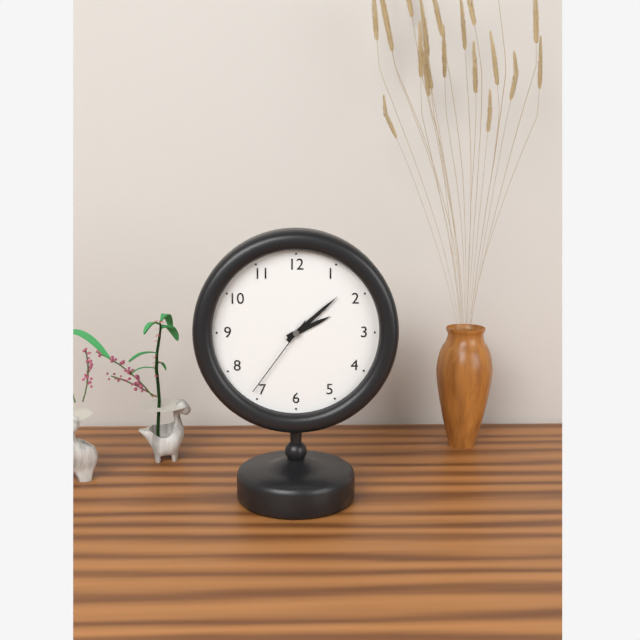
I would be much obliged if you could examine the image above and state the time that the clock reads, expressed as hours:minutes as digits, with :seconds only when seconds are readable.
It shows 2:08:36
